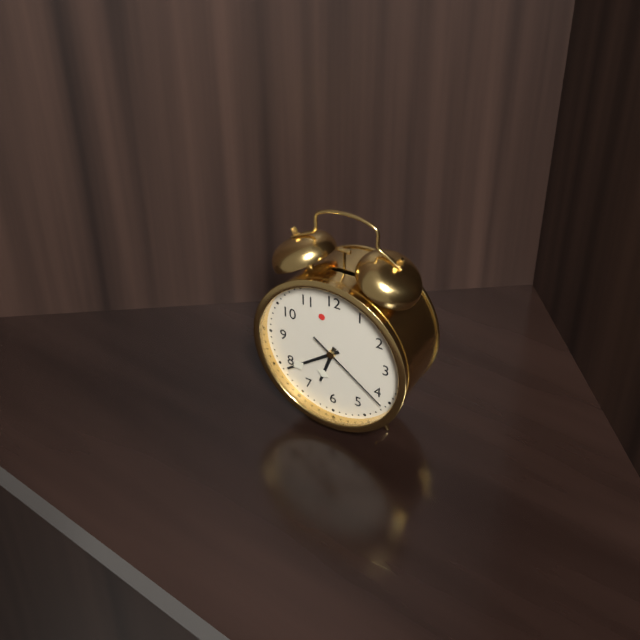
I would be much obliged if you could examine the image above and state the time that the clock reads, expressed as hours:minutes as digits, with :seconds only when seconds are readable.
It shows 6:39:21
